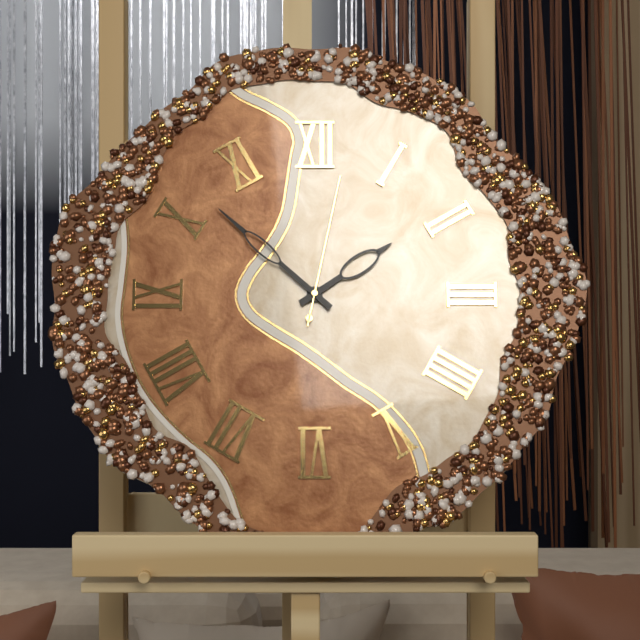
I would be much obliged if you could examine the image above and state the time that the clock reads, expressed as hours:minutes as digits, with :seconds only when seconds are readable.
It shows 1:52:02
